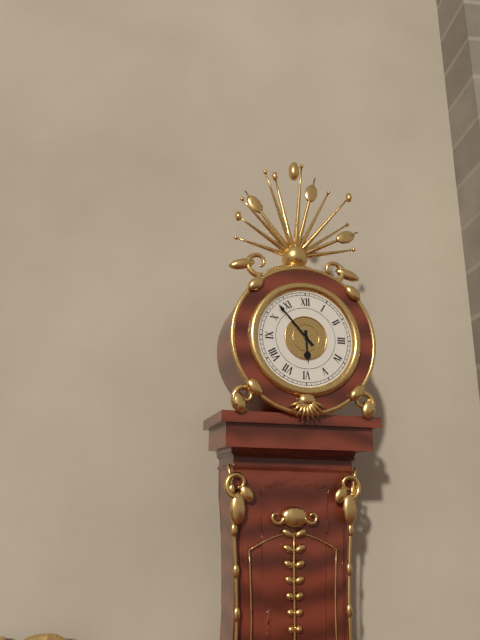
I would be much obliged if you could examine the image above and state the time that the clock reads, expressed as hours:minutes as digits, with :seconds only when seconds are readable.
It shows 5:53
